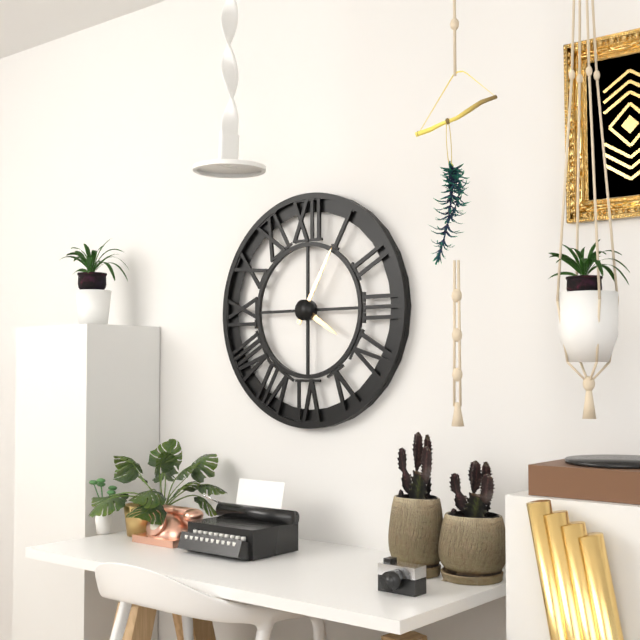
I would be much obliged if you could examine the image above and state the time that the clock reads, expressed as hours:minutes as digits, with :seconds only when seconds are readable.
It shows 4:05
